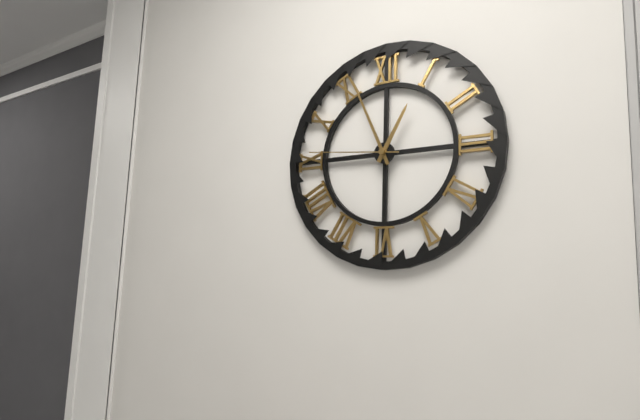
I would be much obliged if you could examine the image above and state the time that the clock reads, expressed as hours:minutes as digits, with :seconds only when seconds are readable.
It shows 12:56:46
